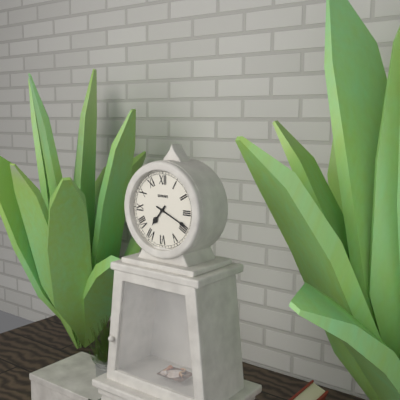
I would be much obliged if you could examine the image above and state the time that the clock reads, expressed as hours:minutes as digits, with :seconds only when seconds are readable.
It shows 7:19
